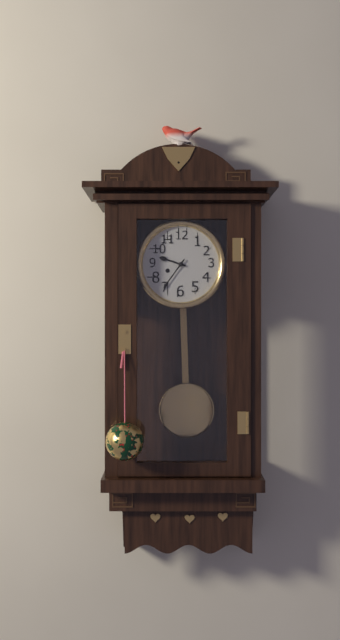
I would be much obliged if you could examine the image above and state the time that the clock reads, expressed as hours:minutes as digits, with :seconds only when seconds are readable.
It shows 9:36
